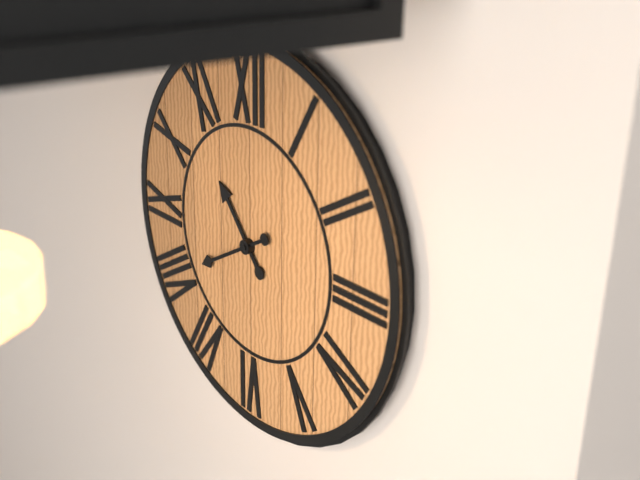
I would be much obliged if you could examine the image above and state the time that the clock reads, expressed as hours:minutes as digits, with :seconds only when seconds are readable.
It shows 10:40
